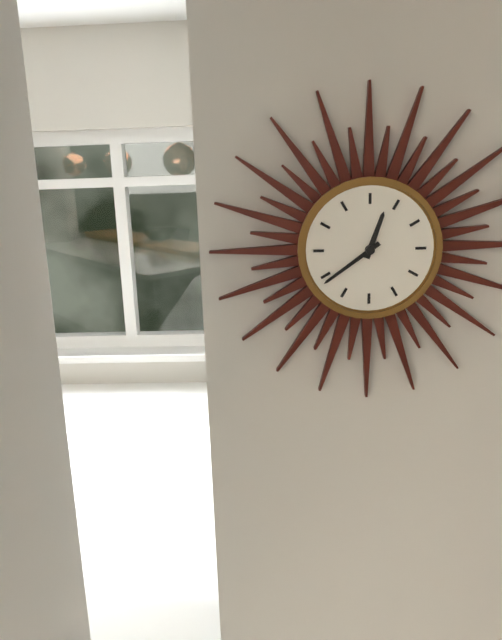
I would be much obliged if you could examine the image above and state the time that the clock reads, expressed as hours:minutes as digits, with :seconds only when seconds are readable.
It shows 12:39
